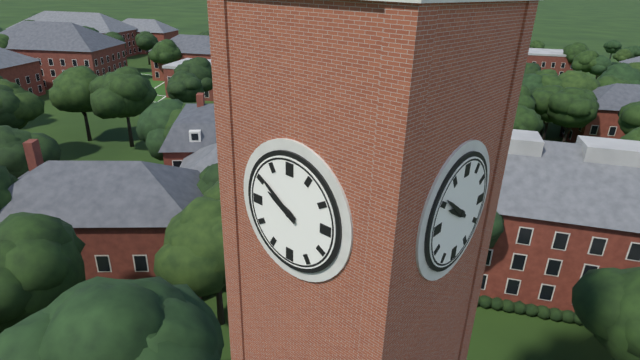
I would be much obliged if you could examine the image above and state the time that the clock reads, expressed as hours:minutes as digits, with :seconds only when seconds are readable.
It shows 9:51
